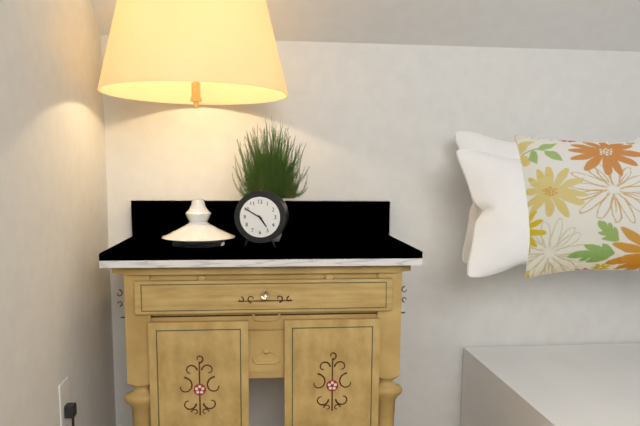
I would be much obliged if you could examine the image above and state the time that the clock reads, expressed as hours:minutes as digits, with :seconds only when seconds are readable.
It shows 4:50
